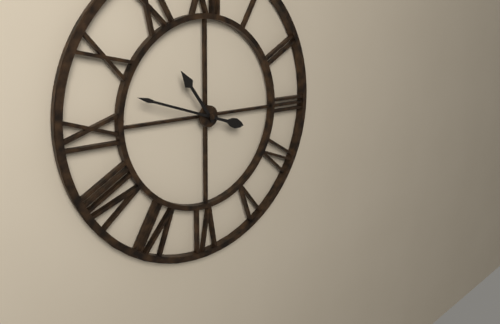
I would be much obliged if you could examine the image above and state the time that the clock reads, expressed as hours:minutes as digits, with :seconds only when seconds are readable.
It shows 10:48
